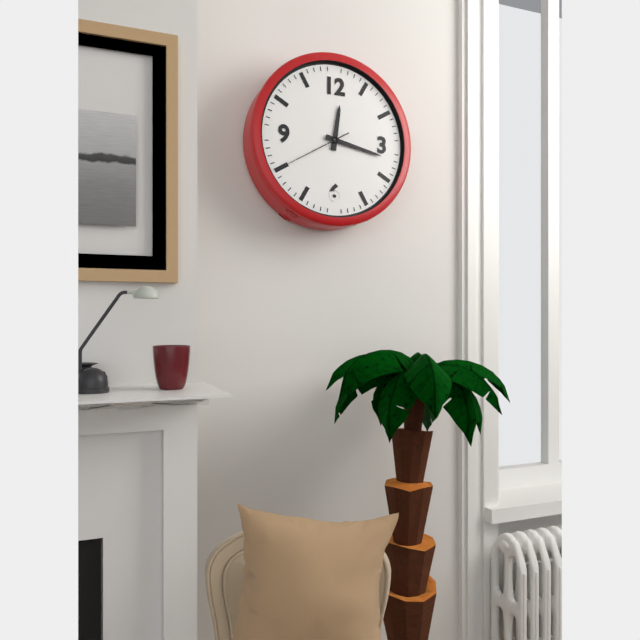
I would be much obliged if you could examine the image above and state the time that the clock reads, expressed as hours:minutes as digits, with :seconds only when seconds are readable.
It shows 12:17:40
